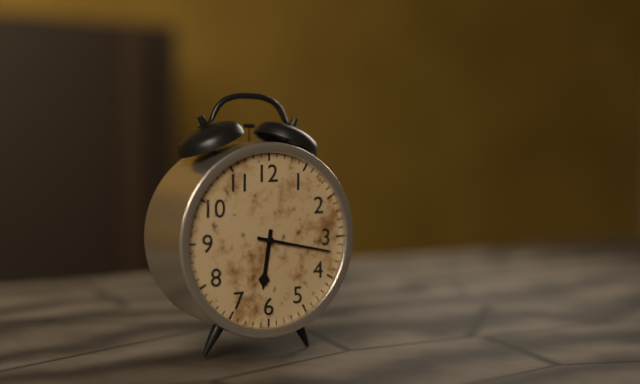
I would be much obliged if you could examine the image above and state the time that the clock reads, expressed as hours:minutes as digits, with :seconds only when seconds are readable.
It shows 6:17
